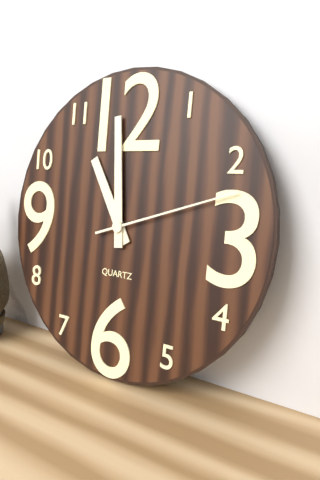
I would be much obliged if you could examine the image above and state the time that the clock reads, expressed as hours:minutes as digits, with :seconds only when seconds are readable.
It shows 10:59:12
